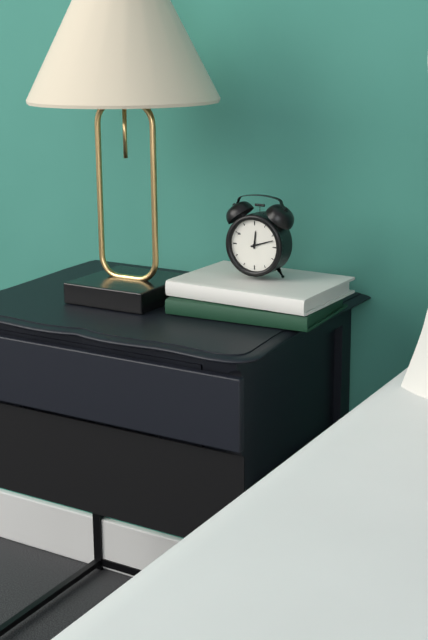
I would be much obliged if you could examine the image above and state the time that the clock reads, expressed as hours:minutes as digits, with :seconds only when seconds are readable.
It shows 12:12
